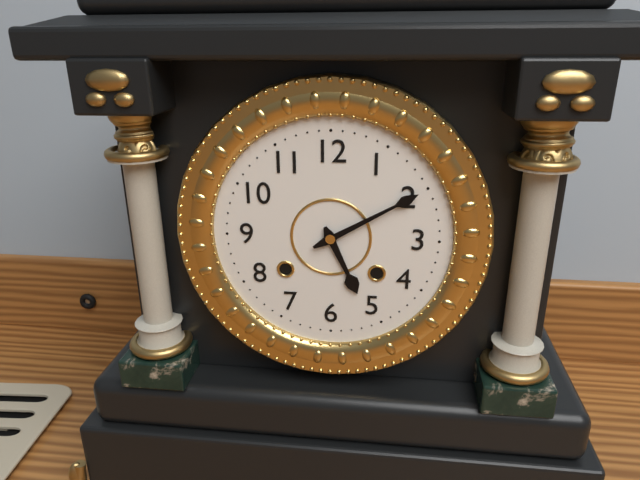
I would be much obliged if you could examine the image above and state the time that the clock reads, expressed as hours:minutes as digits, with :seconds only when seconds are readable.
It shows 5:10
